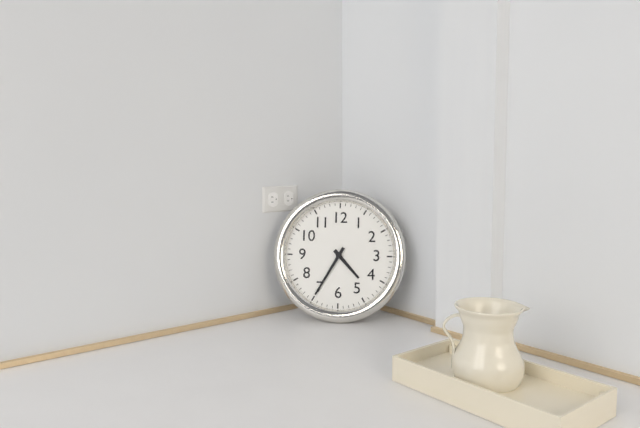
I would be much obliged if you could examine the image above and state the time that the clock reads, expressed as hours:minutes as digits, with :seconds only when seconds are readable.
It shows 4:35
